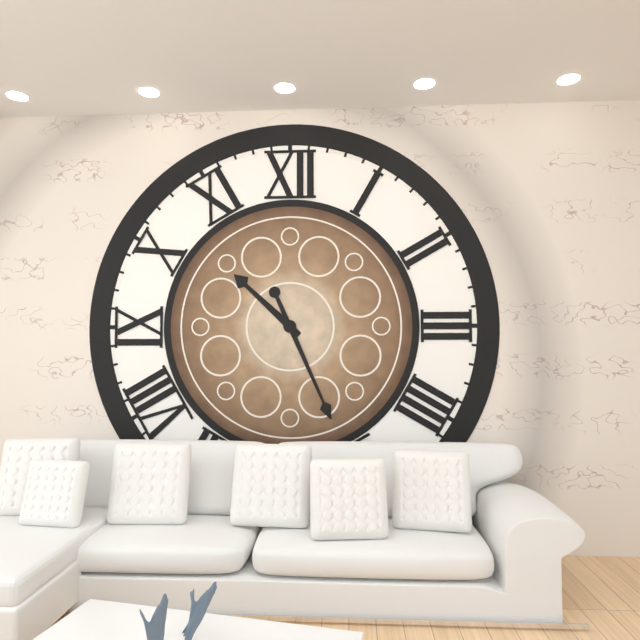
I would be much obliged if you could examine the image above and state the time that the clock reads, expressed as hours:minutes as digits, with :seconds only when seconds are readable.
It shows 10:26
